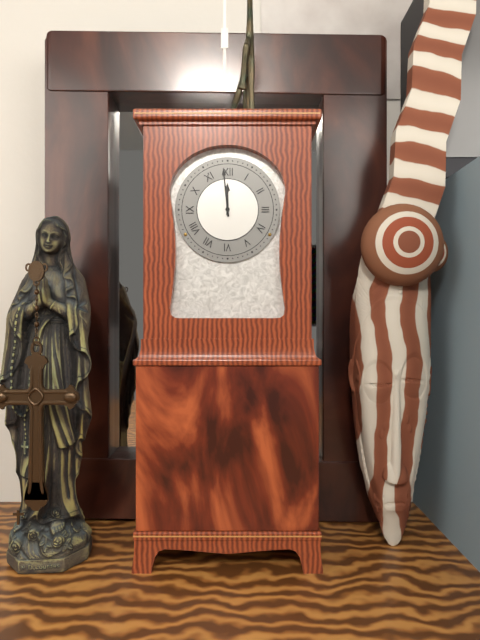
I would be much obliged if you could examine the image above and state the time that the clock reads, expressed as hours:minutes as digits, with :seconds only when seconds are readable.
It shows 11:59
